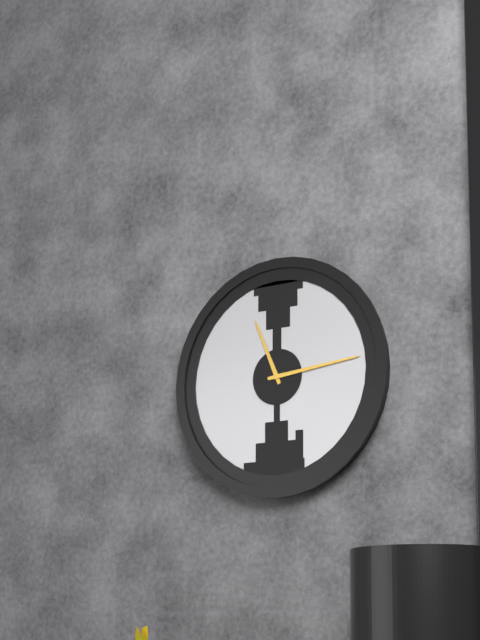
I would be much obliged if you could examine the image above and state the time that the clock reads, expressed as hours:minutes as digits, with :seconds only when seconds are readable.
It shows 11:14
